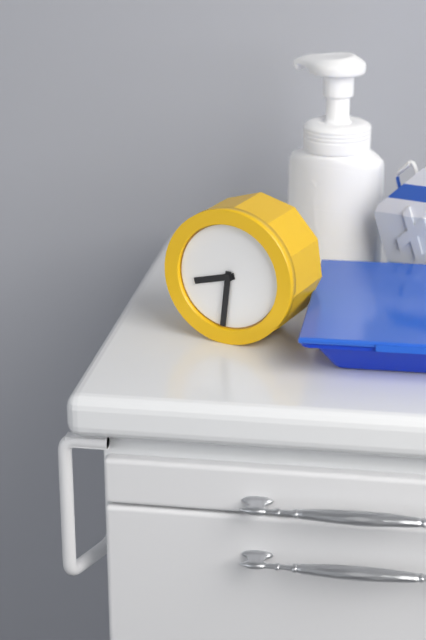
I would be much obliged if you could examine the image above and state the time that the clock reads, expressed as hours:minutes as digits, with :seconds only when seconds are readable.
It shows 8:31
